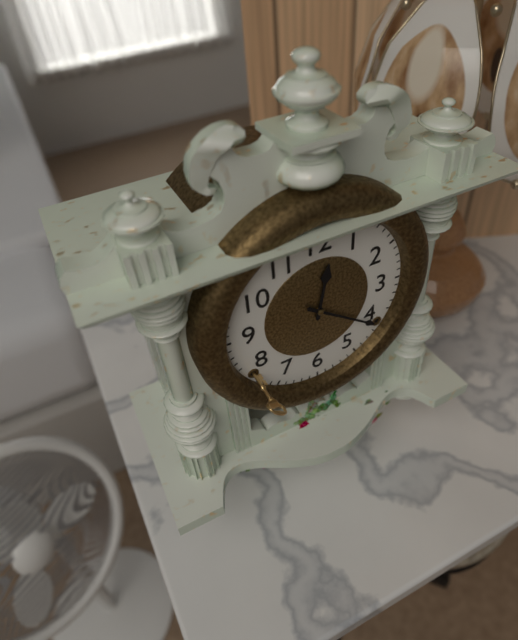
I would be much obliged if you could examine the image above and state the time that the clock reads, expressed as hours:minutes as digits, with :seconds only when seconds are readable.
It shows 12:21
